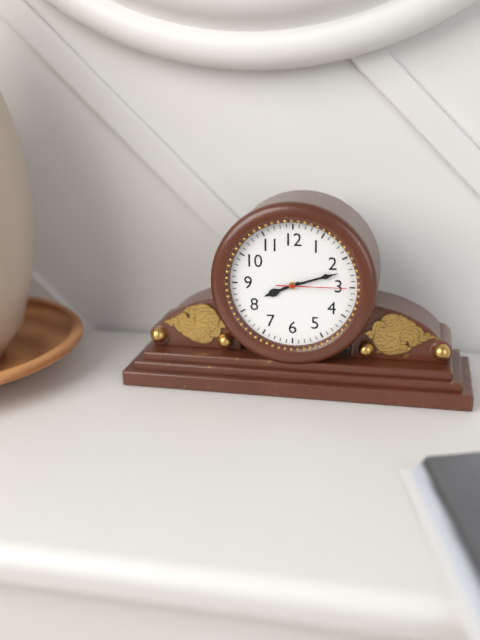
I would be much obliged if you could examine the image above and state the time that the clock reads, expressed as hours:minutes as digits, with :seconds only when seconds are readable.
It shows 8:12:15
